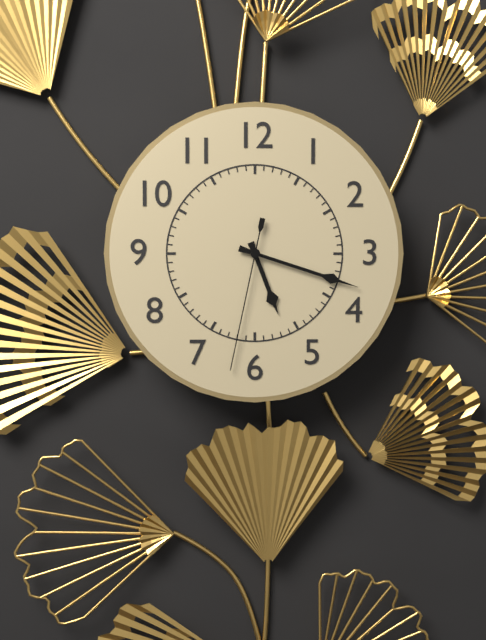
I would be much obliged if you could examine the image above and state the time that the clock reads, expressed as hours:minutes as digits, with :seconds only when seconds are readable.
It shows 5:18:32
